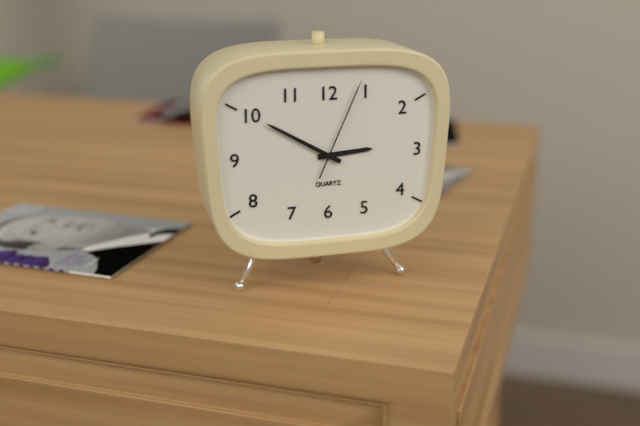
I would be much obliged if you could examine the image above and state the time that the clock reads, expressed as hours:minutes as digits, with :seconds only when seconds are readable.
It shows 2:50:04
